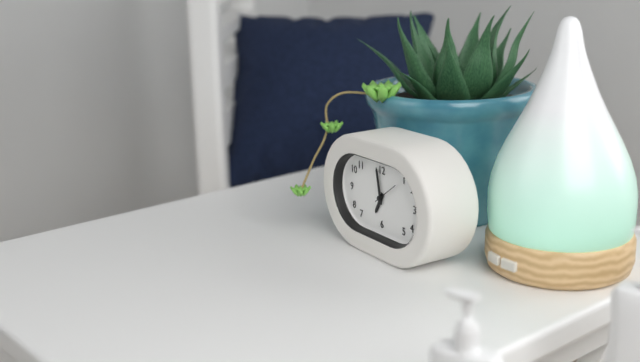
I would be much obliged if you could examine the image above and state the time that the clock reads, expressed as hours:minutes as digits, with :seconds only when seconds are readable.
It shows 6:58
